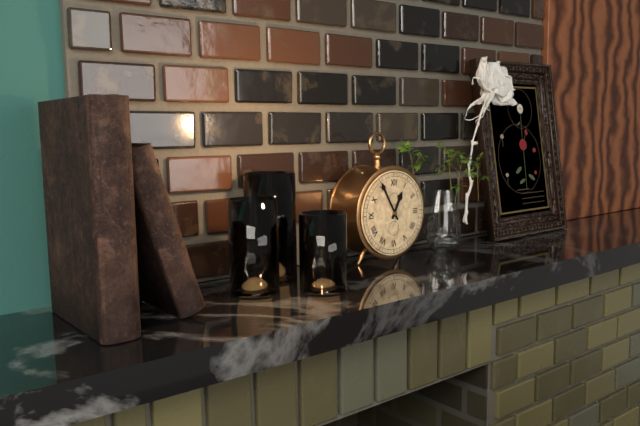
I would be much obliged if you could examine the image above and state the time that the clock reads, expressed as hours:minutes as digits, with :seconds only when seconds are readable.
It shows 12:55
